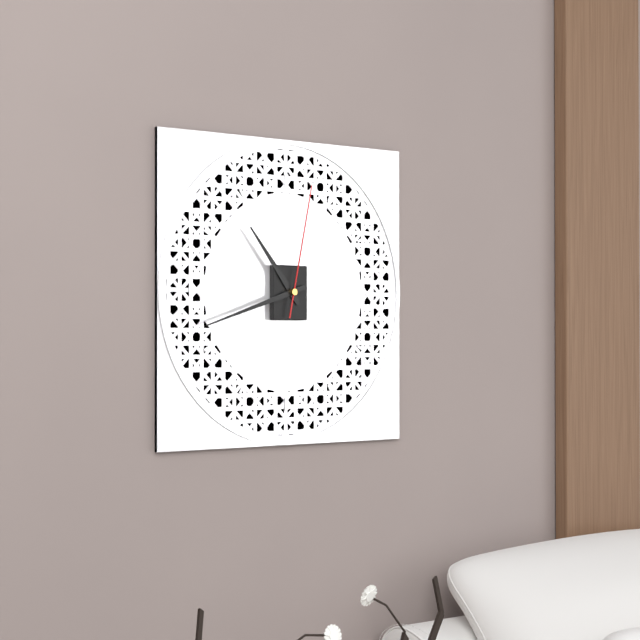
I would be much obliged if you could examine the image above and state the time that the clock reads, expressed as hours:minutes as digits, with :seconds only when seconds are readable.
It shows 10:42:02
